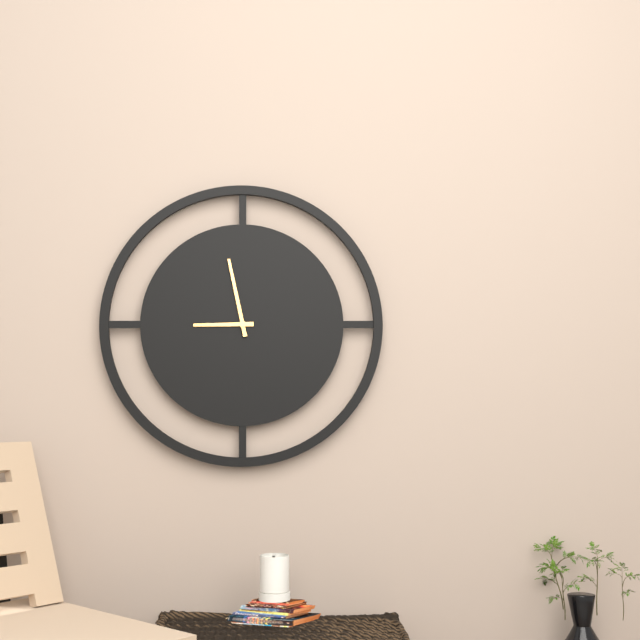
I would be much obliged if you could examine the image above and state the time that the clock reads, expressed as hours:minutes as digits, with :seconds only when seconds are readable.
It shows 8:58
